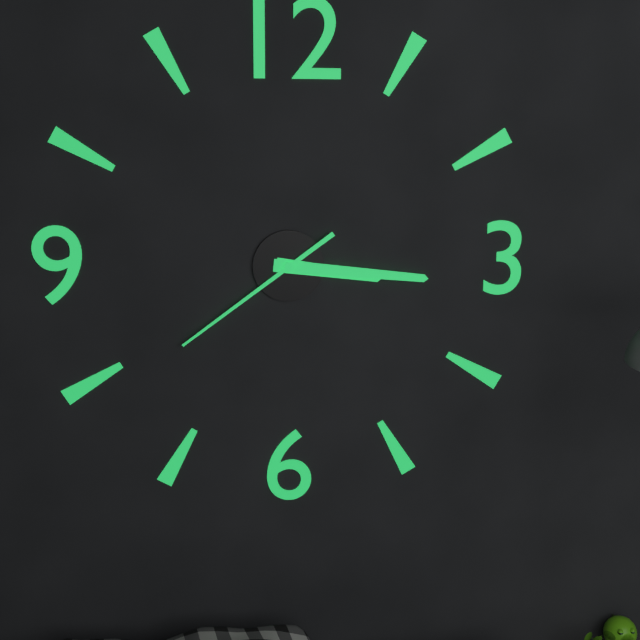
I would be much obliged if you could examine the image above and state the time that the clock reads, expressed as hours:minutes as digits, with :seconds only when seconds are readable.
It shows 3:16:39
